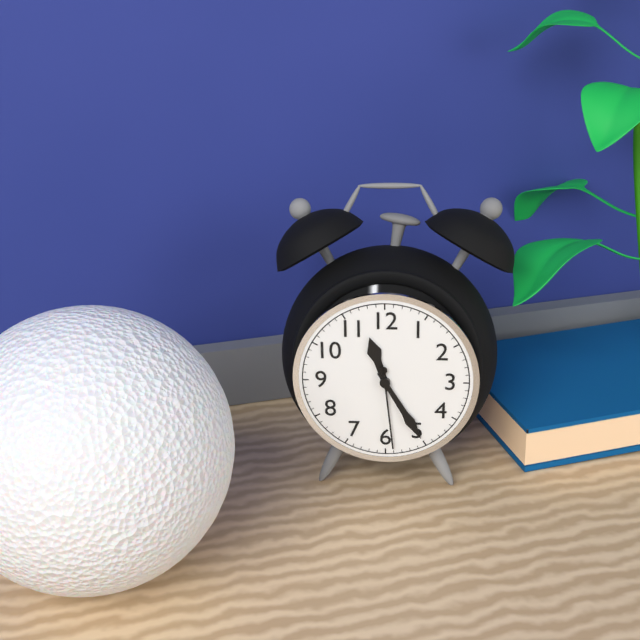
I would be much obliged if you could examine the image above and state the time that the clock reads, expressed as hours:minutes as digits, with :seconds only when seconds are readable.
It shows 11:25:29
